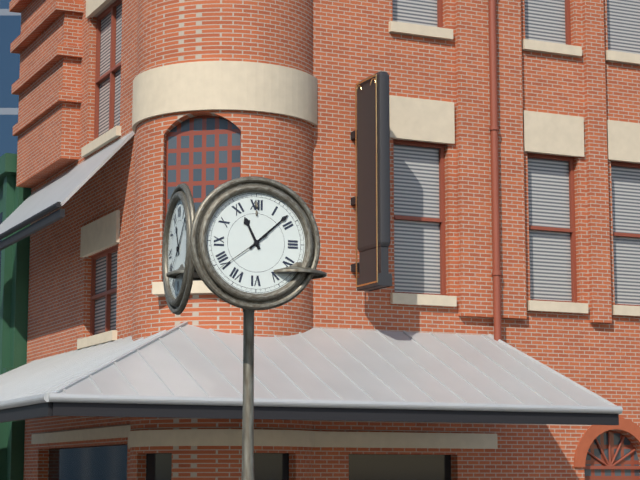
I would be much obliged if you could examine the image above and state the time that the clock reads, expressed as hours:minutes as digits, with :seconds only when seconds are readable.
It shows 11:08:39
